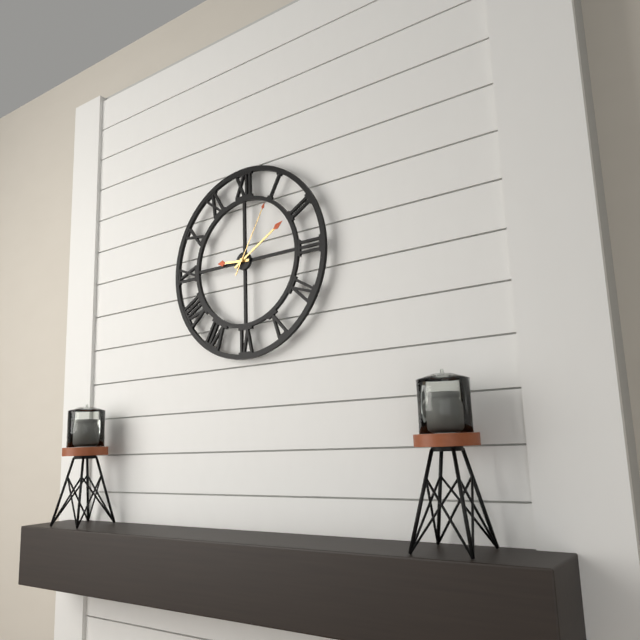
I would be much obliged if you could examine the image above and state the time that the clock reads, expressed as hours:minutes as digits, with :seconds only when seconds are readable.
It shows 9:10:05
